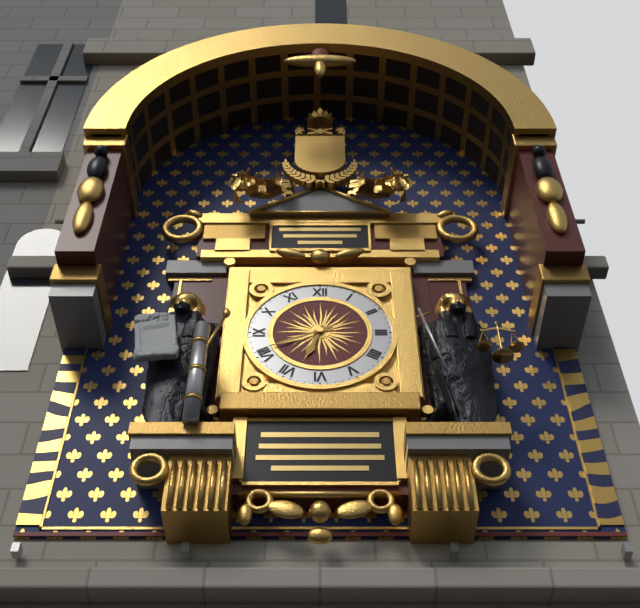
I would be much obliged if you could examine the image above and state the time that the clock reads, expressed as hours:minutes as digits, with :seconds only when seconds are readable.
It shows 6:41
